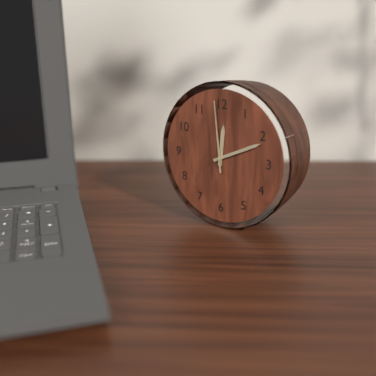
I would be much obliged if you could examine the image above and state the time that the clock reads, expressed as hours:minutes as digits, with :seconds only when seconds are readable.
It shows 12:11:59
